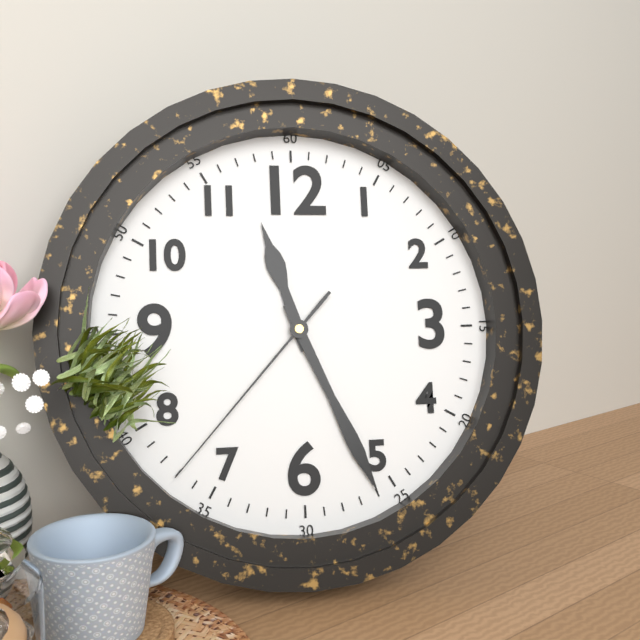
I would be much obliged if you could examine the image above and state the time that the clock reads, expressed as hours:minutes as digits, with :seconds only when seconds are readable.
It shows 11:26:37
